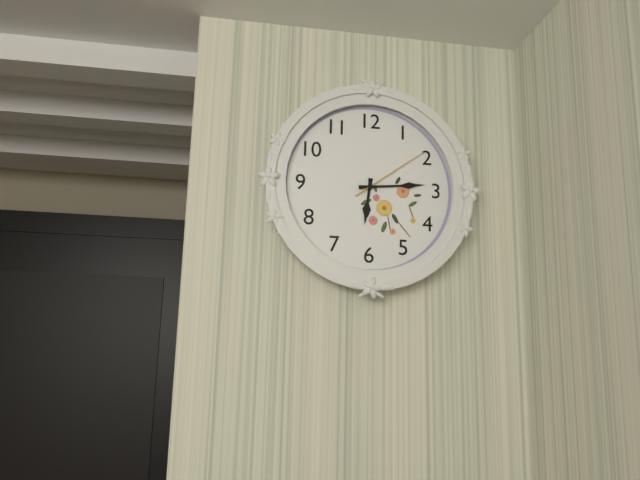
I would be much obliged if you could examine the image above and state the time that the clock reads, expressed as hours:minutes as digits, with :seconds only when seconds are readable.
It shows 6:14:09
